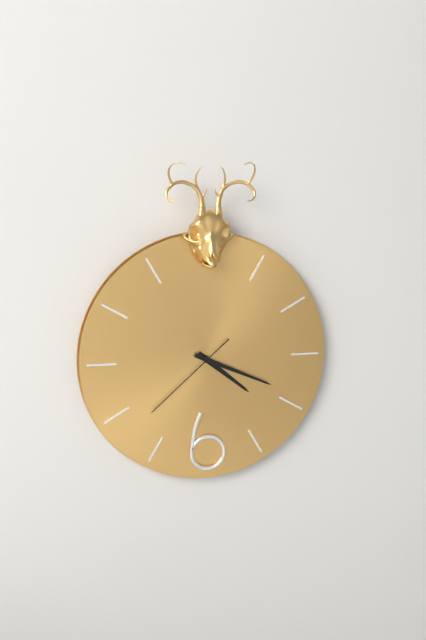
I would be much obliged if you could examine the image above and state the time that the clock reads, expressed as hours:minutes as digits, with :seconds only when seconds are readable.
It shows 4:19:38
